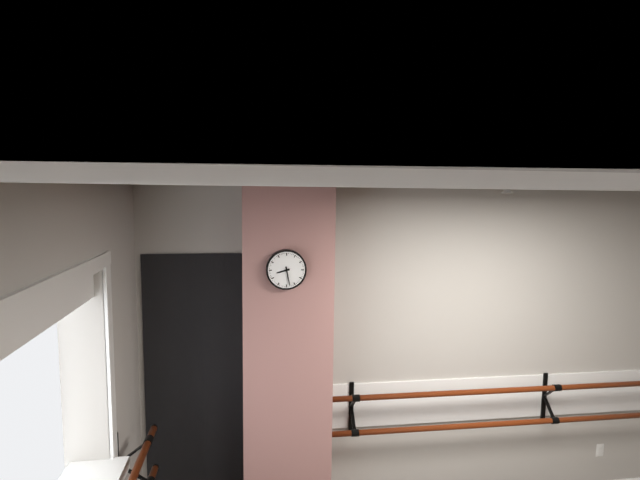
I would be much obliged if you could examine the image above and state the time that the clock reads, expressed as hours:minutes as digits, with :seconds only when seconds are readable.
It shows 8:28
